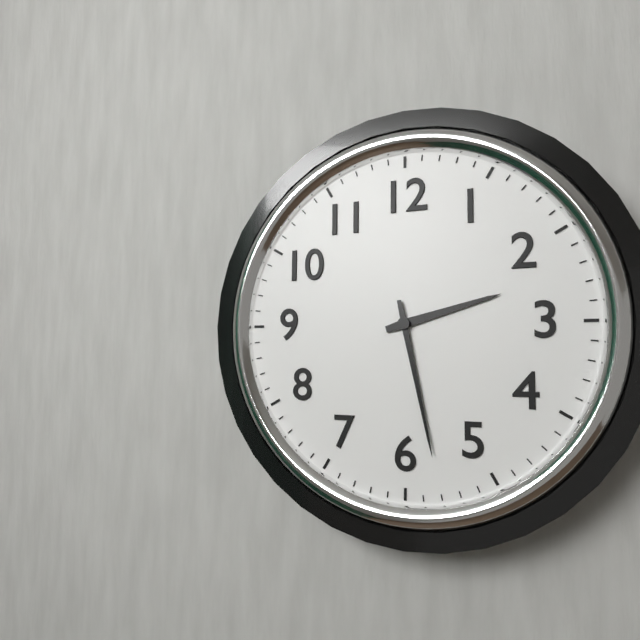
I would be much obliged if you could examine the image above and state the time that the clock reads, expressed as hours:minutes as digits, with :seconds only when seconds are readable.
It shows 2:28
